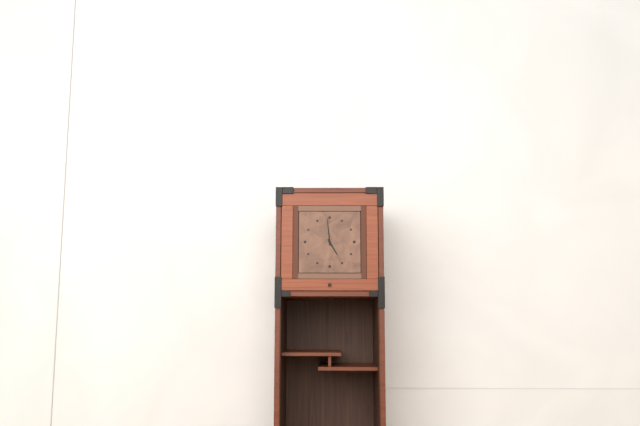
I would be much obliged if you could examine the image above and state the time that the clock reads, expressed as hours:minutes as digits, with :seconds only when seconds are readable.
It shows 4:59
